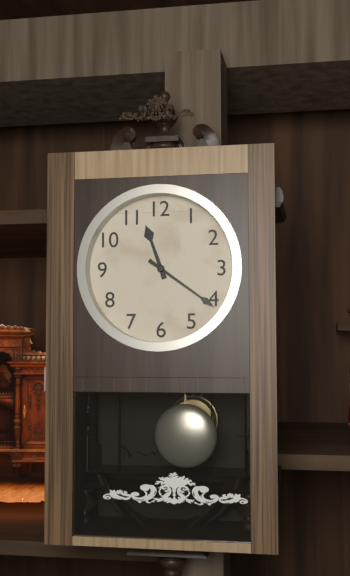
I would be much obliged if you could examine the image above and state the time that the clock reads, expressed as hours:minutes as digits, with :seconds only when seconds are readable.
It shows 11:21
